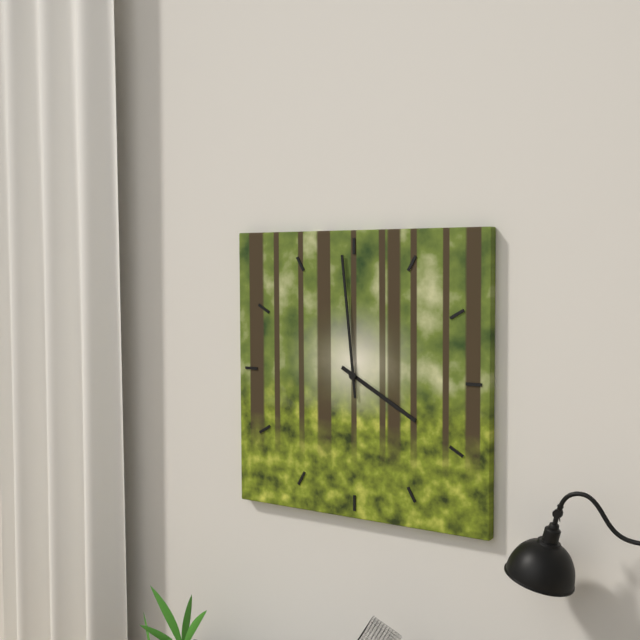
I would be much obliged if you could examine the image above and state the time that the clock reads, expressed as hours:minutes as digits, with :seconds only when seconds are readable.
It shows 3:59
